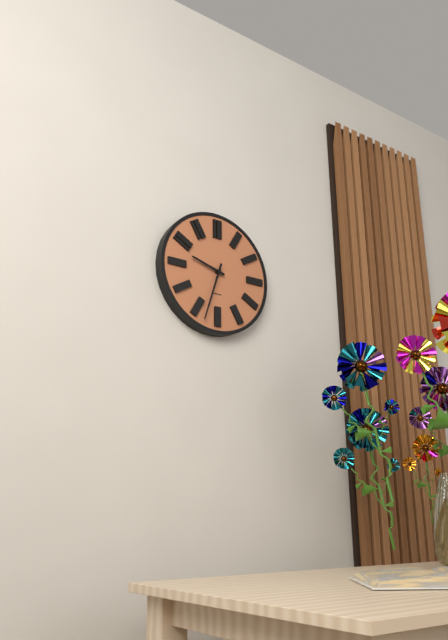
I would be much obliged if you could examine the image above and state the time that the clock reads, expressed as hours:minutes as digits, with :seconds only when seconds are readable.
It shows 9:33
